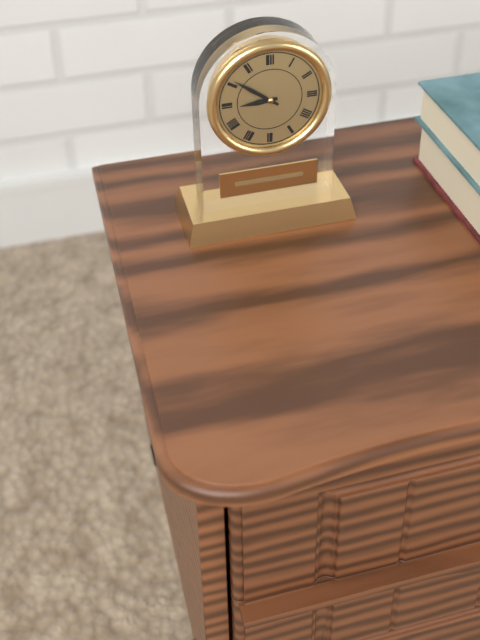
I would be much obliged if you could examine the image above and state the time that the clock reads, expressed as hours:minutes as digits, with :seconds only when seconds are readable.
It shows 8:51
